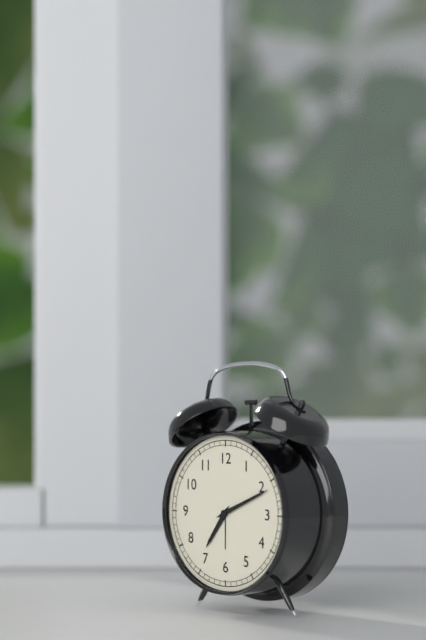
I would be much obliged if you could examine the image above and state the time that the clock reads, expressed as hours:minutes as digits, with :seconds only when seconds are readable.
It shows 7:11
